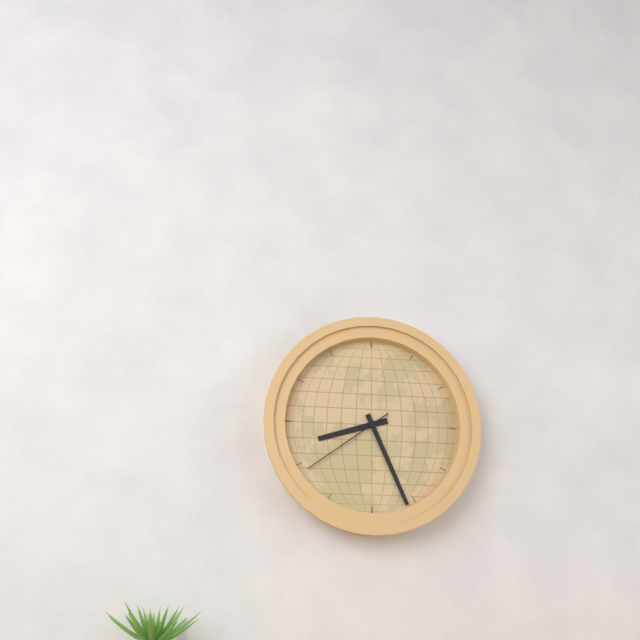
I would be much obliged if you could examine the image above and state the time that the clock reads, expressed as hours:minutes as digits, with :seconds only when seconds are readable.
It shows 8:26:39
